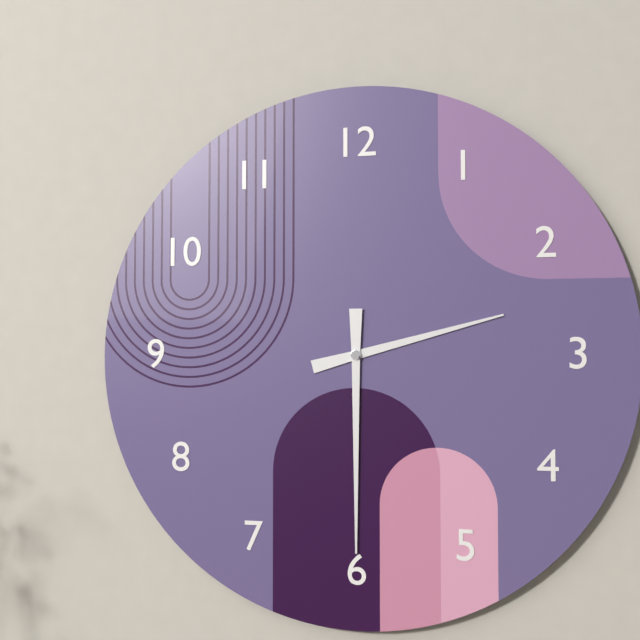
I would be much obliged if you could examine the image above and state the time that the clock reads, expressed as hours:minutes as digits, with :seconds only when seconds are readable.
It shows 2:30
